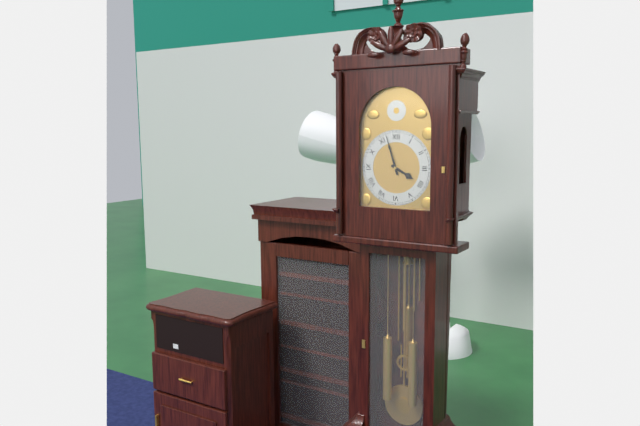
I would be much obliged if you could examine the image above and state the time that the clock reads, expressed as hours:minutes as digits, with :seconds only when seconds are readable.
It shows 3:57
